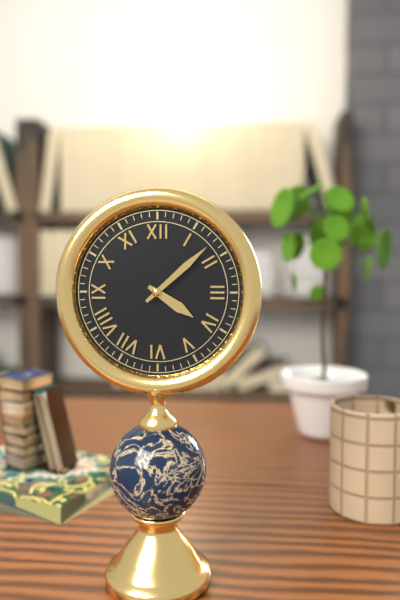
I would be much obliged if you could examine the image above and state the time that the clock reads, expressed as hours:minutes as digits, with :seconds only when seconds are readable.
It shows 4:08
